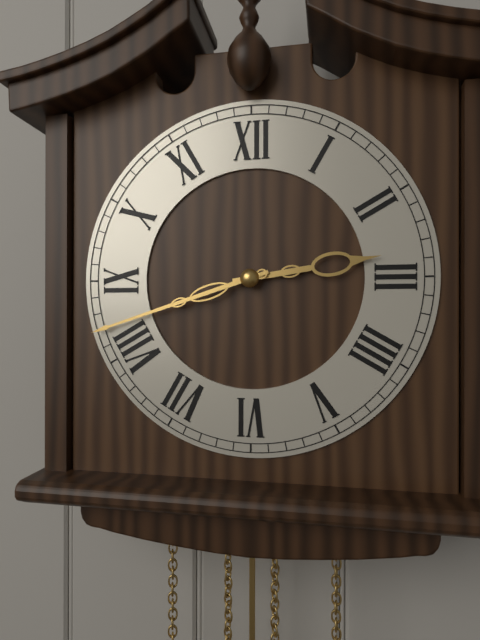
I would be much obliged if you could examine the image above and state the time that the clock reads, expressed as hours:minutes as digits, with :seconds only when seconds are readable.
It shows 2:42
